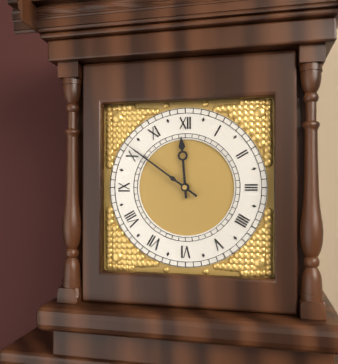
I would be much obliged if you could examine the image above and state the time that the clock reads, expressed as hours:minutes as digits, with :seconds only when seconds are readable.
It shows 11:51
